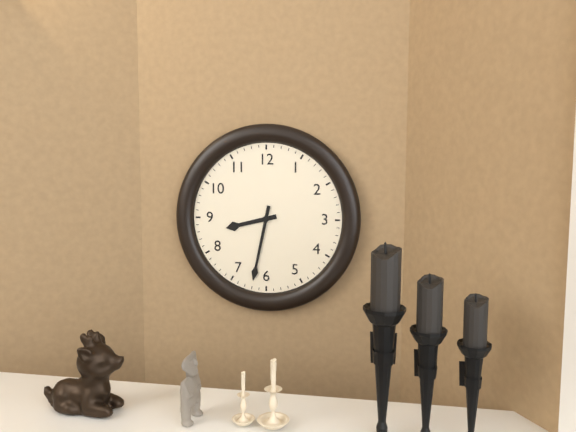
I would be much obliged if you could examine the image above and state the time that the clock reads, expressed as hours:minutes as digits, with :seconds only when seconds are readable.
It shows 8:32
